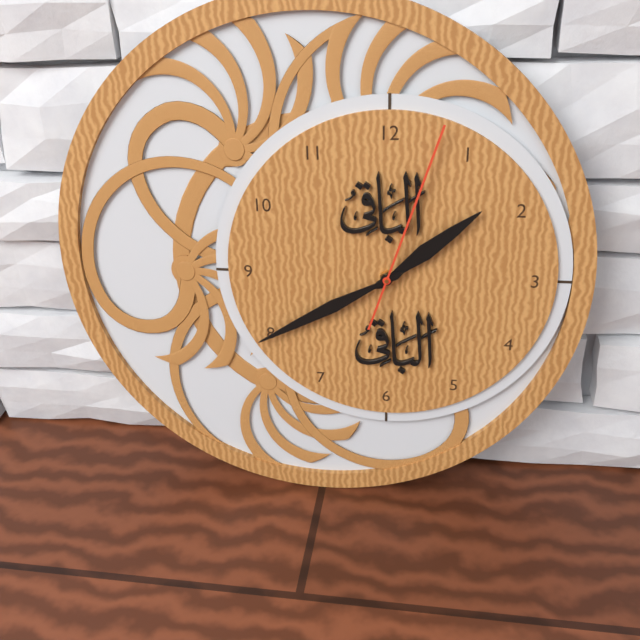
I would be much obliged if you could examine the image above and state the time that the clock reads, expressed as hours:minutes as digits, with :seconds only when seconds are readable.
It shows 1:40:03
